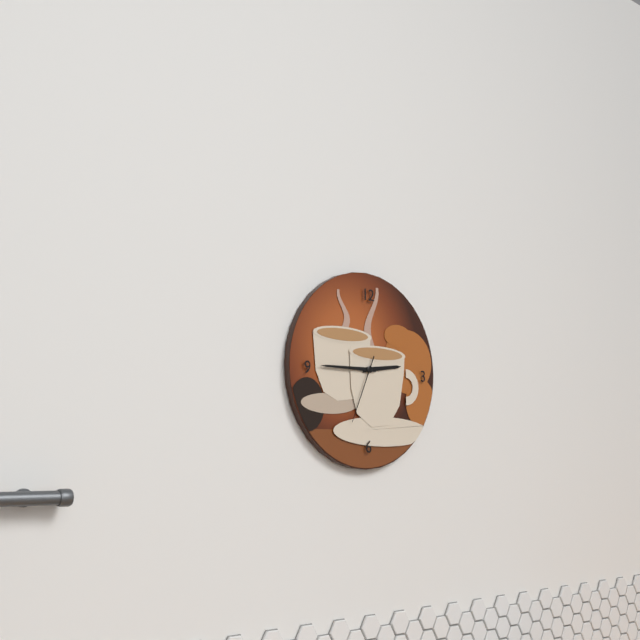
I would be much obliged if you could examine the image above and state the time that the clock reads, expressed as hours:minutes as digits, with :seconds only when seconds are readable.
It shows 2:45:34
